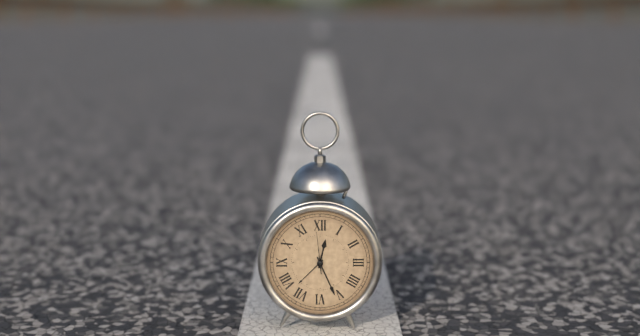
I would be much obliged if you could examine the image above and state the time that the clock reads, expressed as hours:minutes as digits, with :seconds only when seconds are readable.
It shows 12:26
